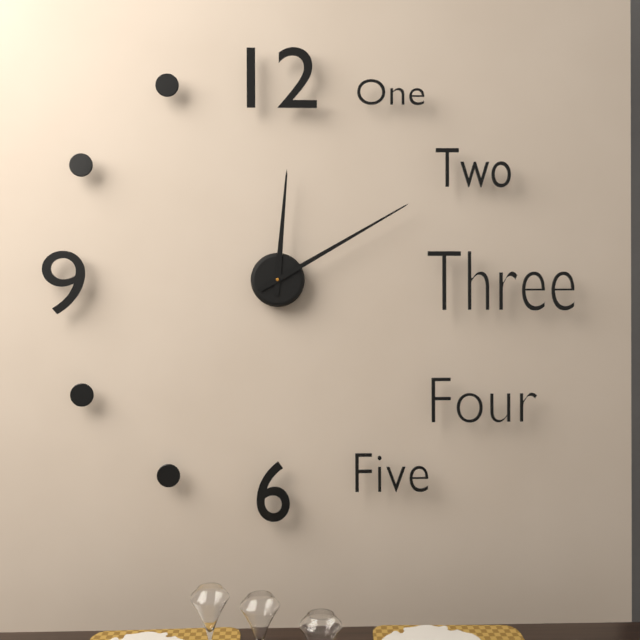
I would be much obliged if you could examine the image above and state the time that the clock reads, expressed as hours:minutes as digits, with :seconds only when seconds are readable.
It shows 12:10
